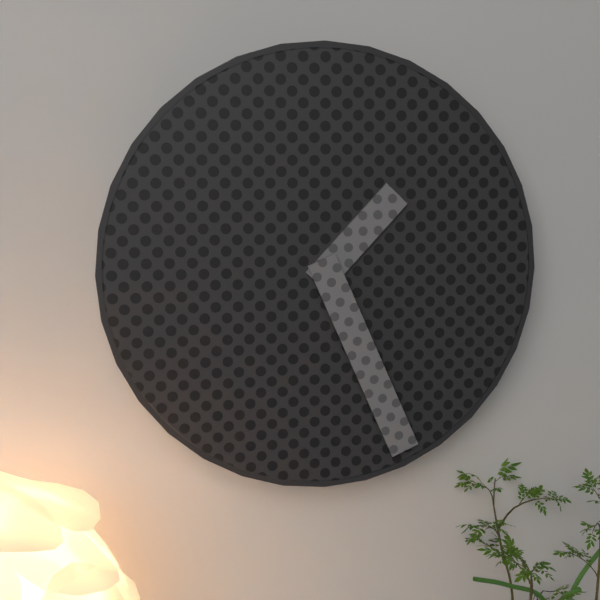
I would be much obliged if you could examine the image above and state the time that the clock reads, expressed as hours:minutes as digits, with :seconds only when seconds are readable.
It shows 1:26
